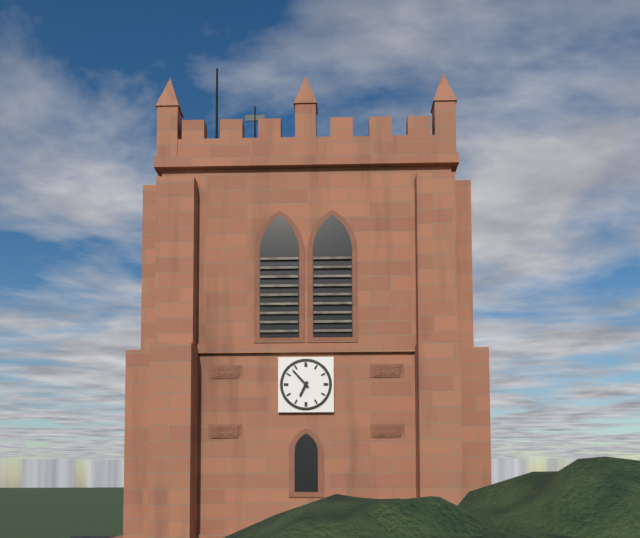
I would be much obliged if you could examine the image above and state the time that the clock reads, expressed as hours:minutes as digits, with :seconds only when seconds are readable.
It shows 6:53
